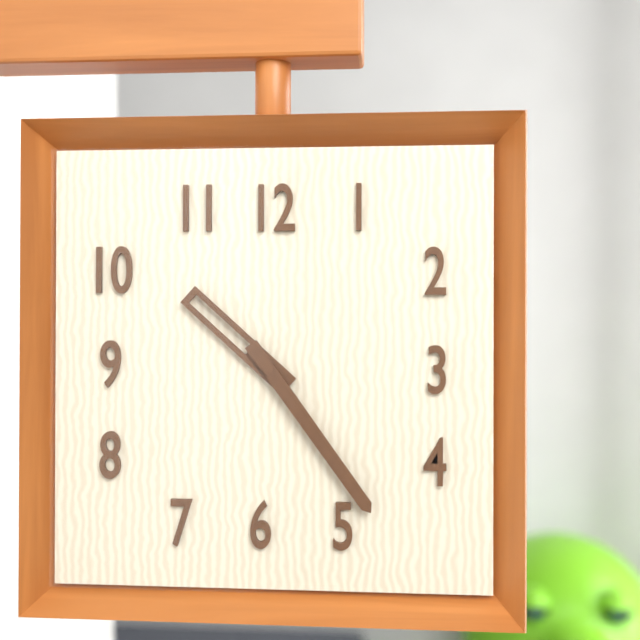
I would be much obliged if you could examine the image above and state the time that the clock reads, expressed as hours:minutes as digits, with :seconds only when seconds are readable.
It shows 10:24
